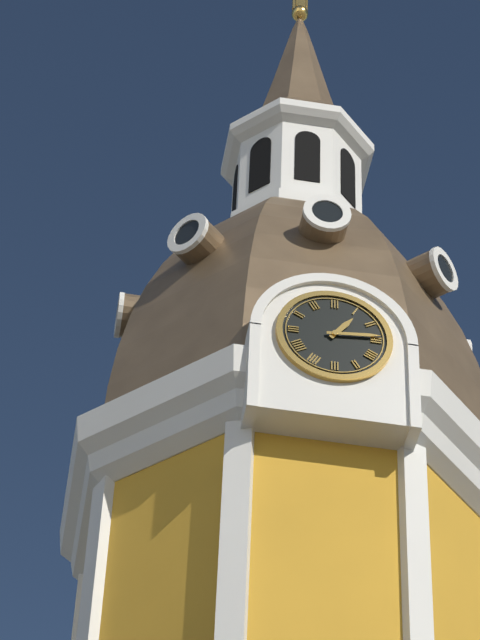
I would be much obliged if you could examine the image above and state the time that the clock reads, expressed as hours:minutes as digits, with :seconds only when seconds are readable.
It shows 1:14
